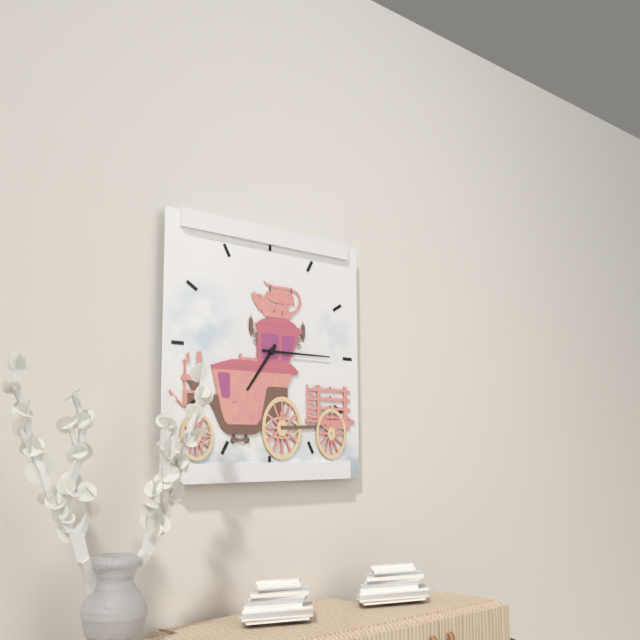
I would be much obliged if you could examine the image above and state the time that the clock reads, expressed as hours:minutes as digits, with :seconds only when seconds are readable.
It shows 7:15
